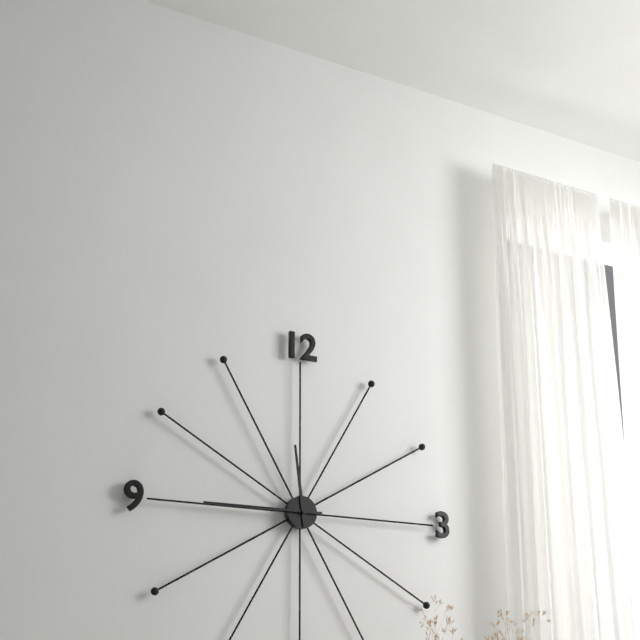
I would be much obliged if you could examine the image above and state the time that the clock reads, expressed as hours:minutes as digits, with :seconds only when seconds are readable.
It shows 11:45
